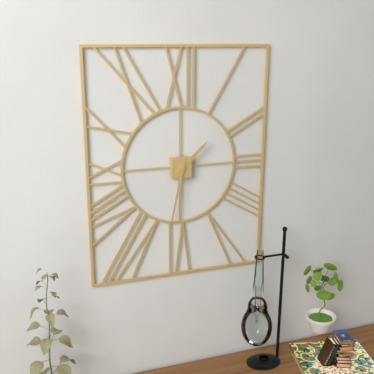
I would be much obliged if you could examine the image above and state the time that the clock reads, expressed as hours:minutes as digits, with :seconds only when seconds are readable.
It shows 1:32
